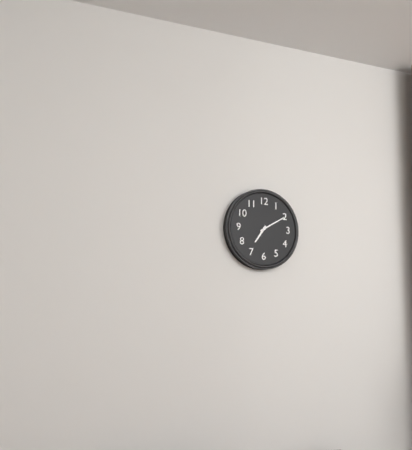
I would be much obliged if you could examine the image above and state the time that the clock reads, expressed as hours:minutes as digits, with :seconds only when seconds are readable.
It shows 7:10
